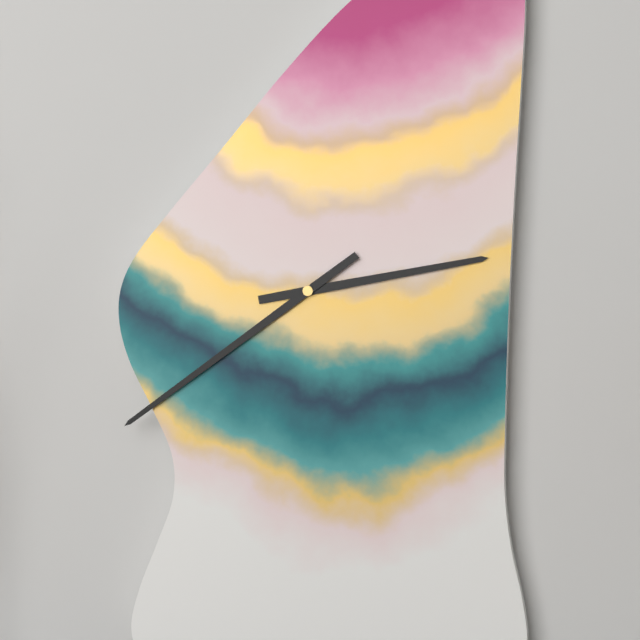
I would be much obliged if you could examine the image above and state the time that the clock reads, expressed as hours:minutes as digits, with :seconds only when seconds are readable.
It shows 2:39
